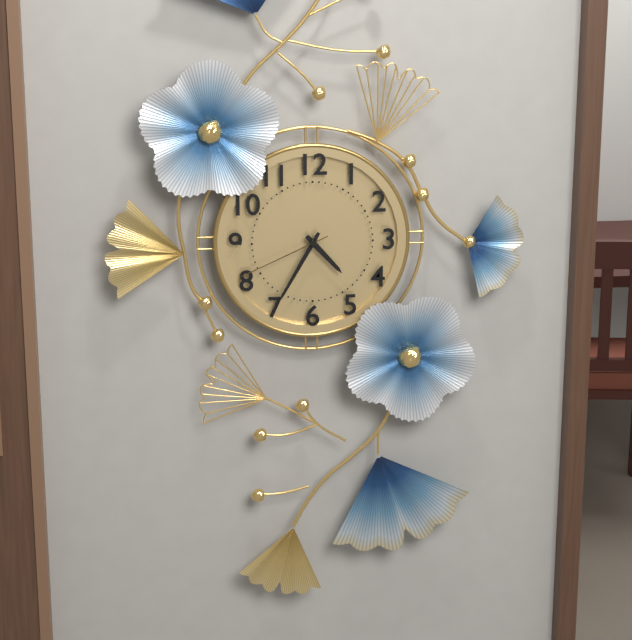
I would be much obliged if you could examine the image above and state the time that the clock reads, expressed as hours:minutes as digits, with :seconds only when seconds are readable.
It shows 4:35:41
